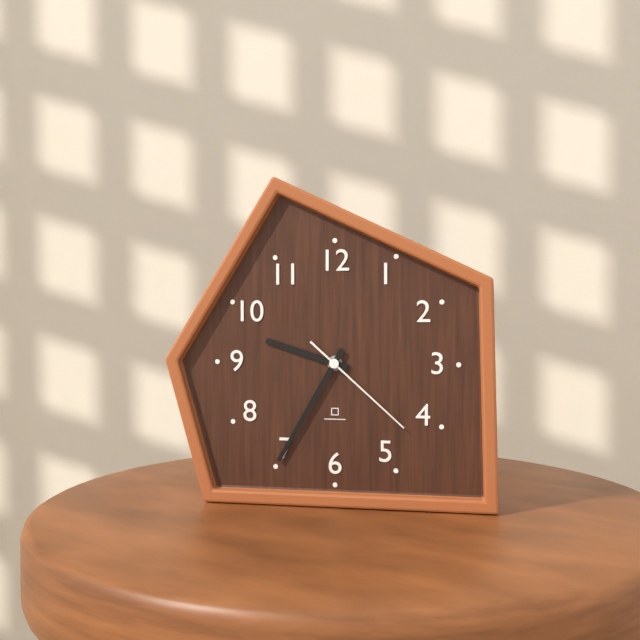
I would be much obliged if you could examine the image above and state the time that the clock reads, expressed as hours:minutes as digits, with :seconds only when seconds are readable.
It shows 9:35:22
